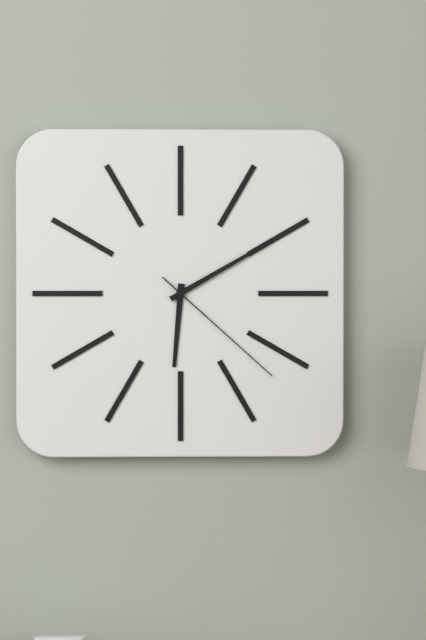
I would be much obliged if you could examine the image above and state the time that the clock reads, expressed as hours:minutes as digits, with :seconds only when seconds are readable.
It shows 6:10:22
